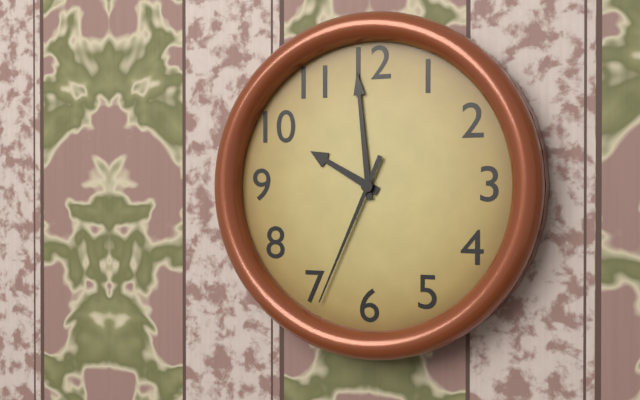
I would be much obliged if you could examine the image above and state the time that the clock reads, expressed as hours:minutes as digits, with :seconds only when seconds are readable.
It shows 9:59:34
